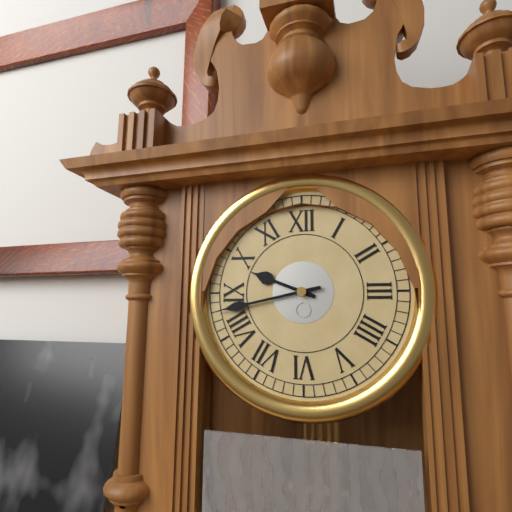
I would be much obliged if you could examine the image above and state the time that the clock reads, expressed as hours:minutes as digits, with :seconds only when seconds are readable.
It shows 9:43
